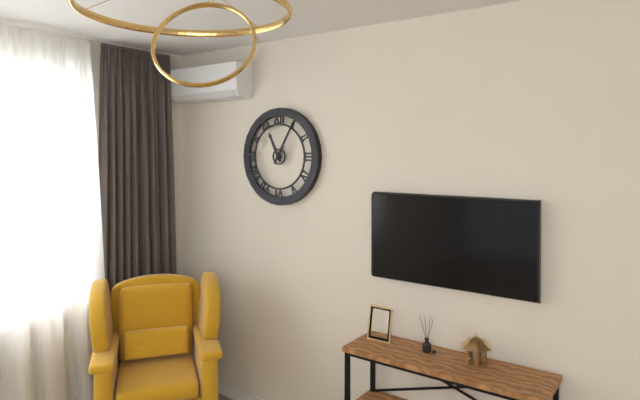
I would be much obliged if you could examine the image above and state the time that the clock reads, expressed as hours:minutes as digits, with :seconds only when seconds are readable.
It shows 11:05
